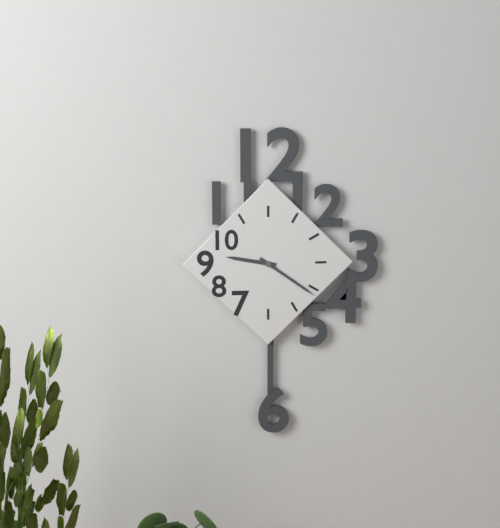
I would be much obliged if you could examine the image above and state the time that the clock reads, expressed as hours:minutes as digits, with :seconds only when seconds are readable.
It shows 9:21
